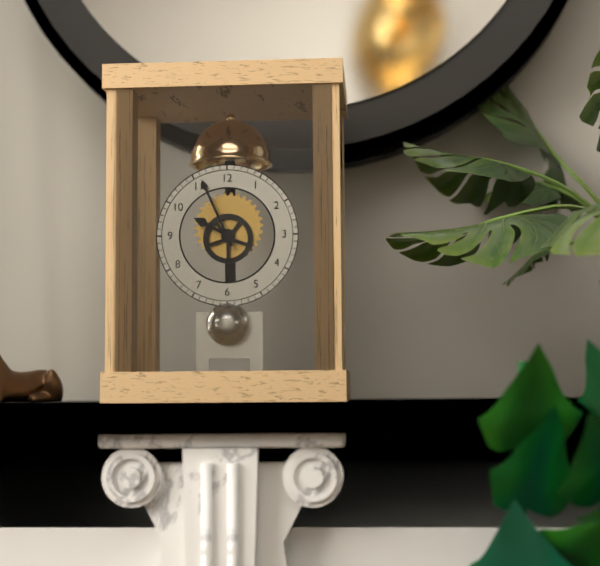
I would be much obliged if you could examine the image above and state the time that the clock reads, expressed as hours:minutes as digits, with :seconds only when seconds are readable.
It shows 9:56
